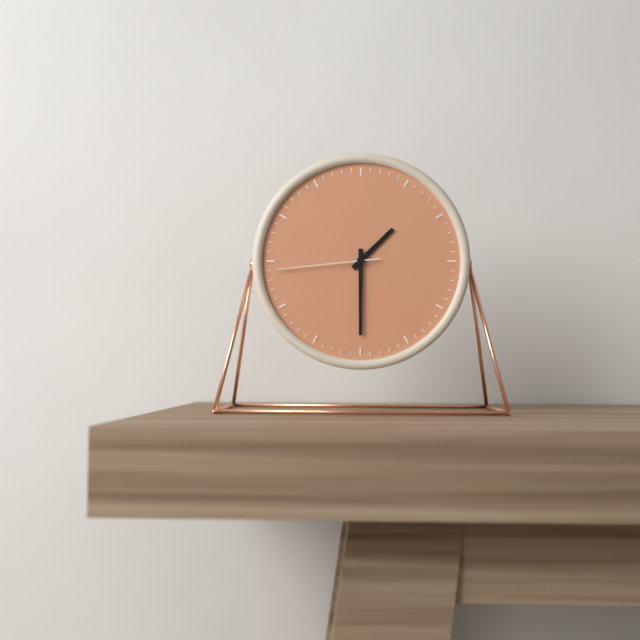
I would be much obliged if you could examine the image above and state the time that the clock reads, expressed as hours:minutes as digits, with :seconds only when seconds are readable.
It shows 1:30:44
